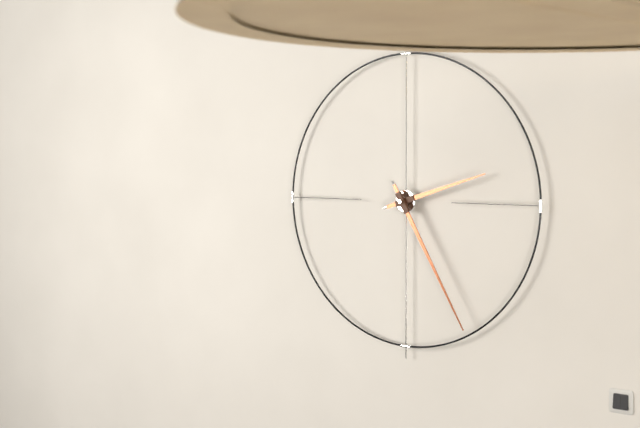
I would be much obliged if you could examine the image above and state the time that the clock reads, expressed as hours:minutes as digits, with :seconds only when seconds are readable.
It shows 2:25
